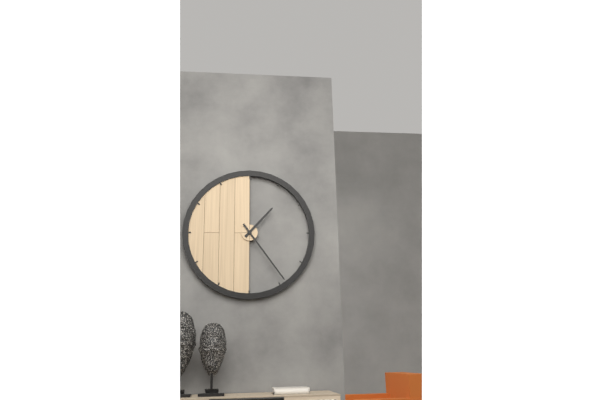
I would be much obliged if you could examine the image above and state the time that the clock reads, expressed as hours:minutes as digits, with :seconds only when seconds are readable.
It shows 1:24
